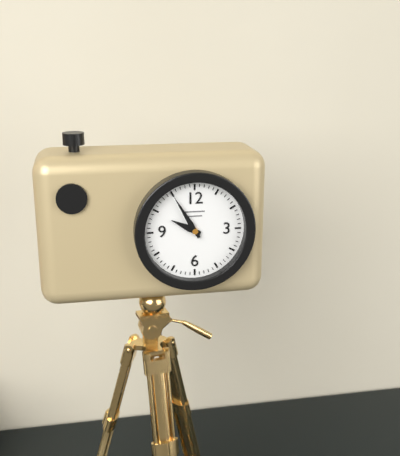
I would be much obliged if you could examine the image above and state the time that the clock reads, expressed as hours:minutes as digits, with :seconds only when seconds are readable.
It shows 9:55
